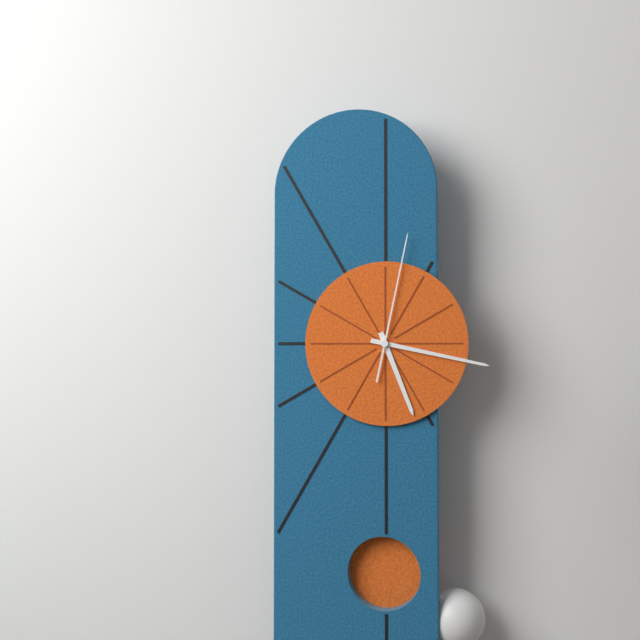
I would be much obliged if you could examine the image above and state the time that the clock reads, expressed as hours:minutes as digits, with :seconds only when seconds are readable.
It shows 5:17:02
